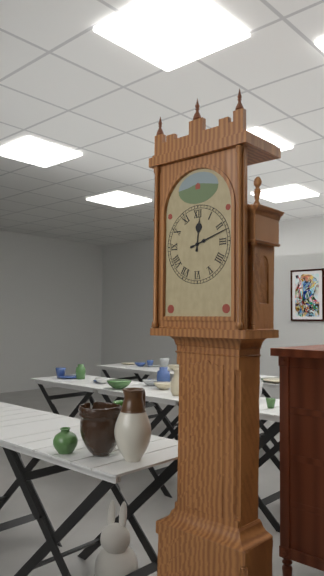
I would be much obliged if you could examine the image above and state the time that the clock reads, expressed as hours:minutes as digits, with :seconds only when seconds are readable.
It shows 12:12
